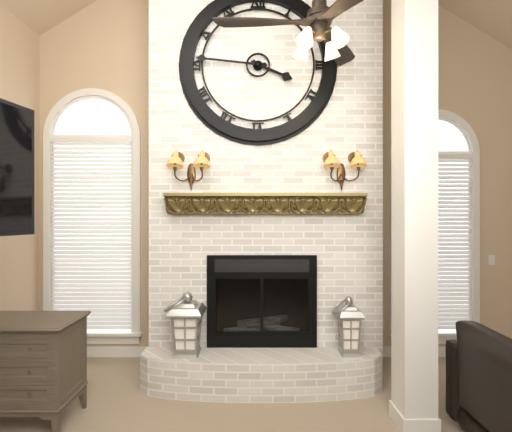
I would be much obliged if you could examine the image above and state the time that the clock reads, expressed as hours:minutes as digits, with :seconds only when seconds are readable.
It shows 3:46
